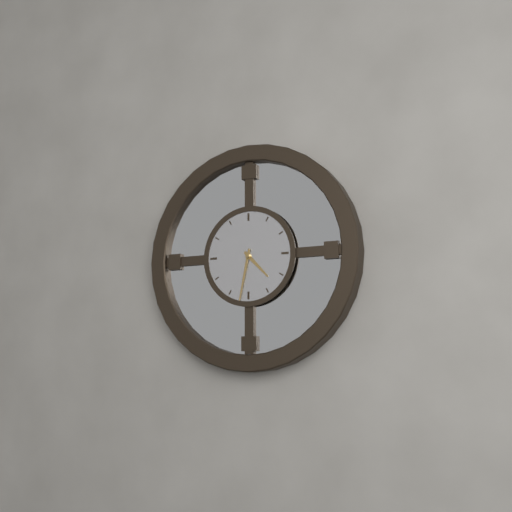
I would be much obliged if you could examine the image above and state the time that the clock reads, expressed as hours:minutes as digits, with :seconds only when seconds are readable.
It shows 4:32
